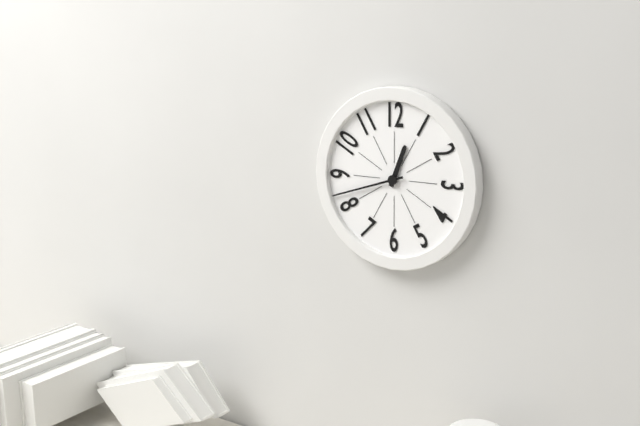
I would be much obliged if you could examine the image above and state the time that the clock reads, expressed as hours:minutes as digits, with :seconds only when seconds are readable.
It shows 12:42
